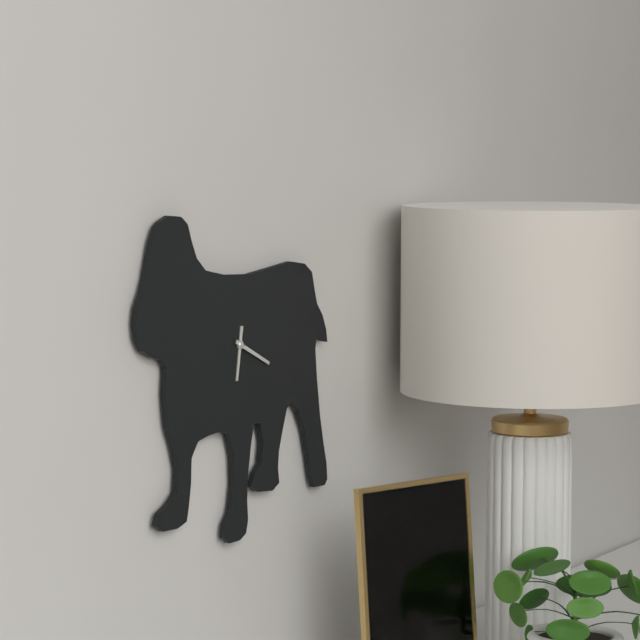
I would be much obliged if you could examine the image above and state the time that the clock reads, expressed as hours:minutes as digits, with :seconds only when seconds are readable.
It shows 6:19
